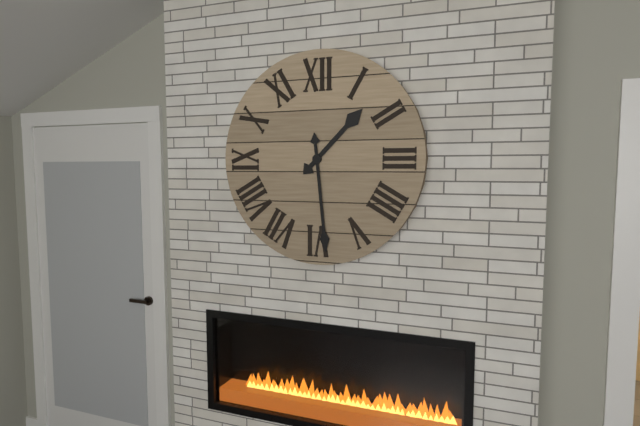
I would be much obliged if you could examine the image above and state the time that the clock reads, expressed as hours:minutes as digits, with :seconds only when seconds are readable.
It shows 1:29
